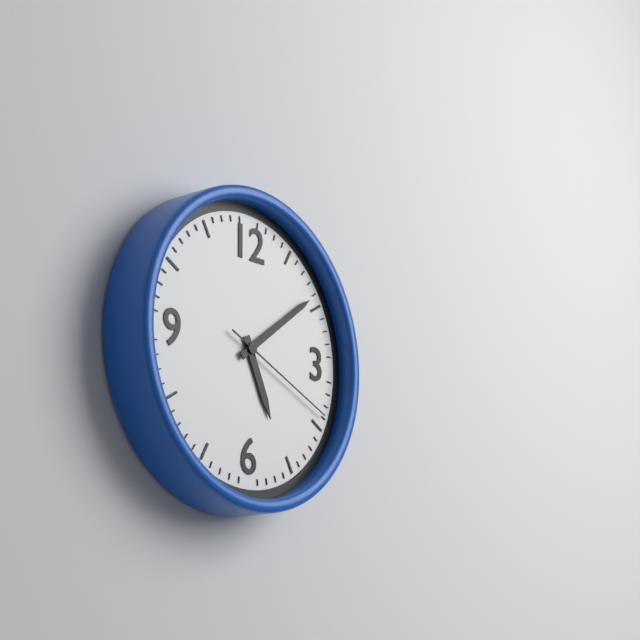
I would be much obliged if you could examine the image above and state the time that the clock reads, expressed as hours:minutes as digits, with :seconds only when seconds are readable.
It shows 5:09:19
